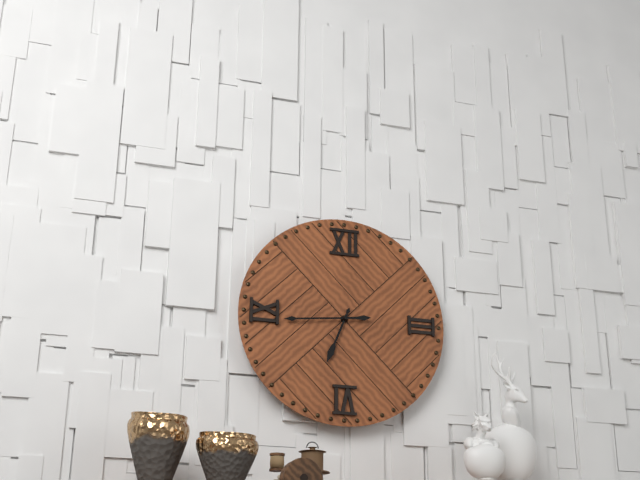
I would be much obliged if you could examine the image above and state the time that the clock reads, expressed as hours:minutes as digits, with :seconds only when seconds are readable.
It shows 6:44
